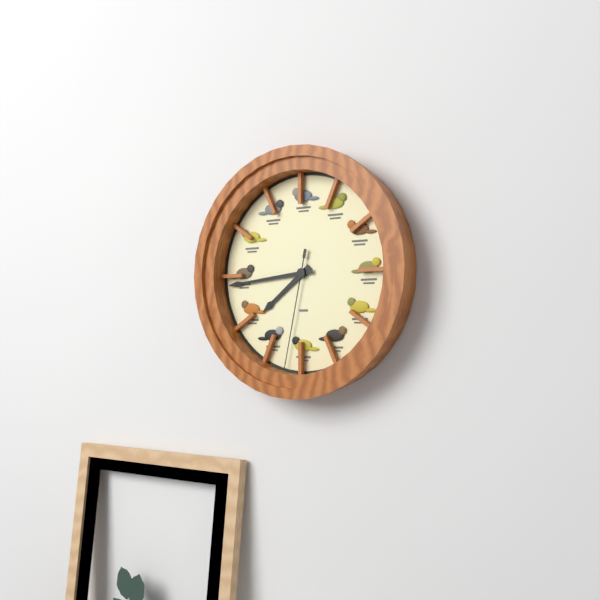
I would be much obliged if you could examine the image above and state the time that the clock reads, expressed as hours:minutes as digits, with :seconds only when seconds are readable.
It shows 7:44:32
